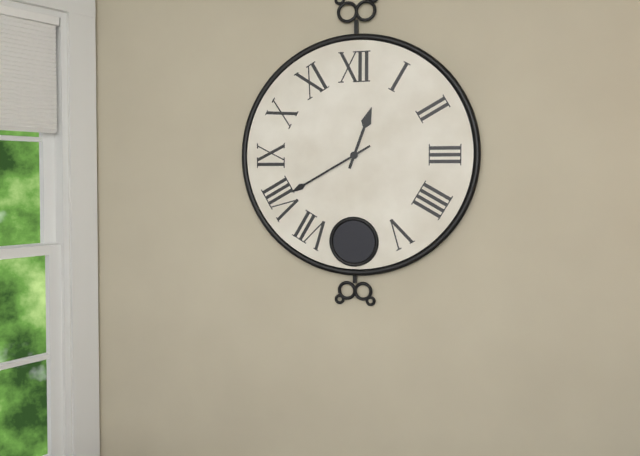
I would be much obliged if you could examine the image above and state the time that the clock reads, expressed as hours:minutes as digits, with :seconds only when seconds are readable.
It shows 12:40
